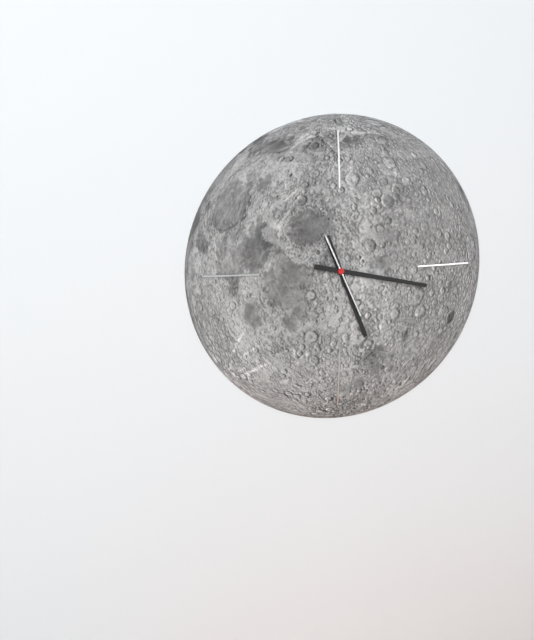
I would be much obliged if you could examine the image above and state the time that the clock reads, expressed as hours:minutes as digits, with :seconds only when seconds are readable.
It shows 5:17:26
